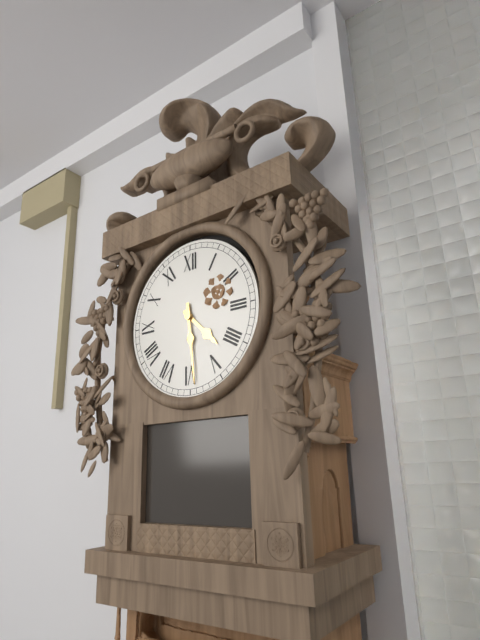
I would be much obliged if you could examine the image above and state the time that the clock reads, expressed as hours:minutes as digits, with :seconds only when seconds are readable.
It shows 4:29
